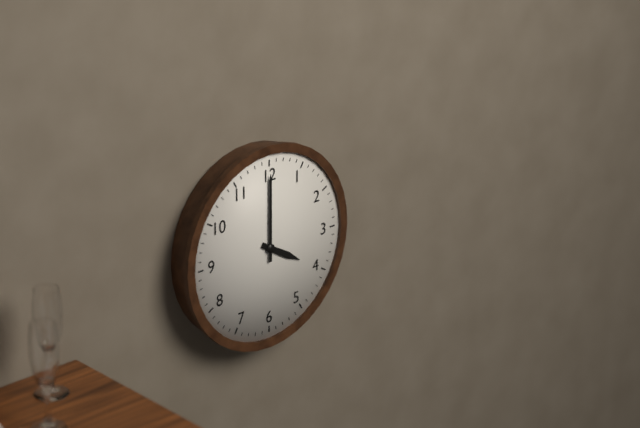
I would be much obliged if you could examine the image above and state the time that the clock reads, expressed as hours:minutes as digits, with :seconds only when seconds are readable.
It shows 4:00
